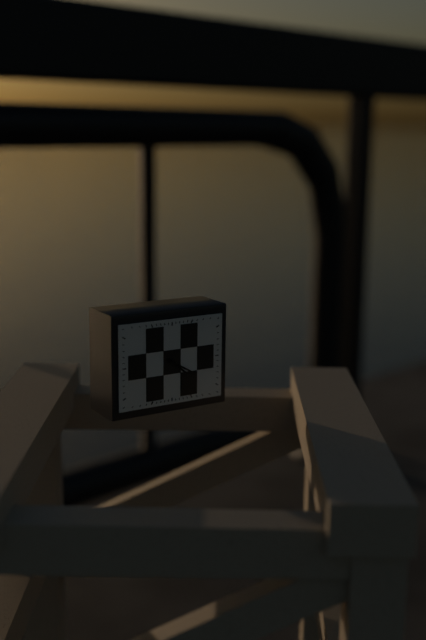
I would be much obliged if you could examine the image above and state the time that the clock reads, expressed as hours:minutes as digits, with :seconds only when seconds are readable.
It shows 4:20
